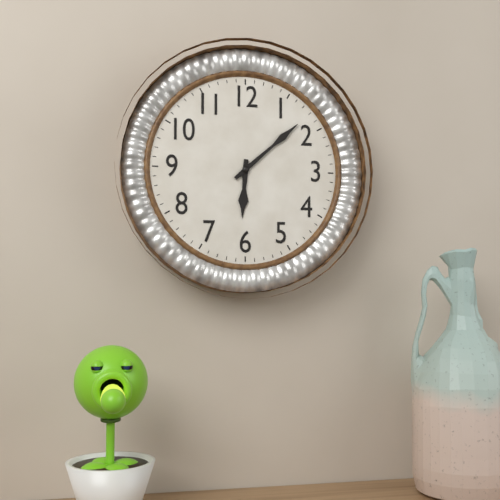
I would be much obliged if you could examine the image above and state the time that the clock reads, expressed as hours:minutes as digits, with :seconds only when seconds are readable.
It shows 6:08
